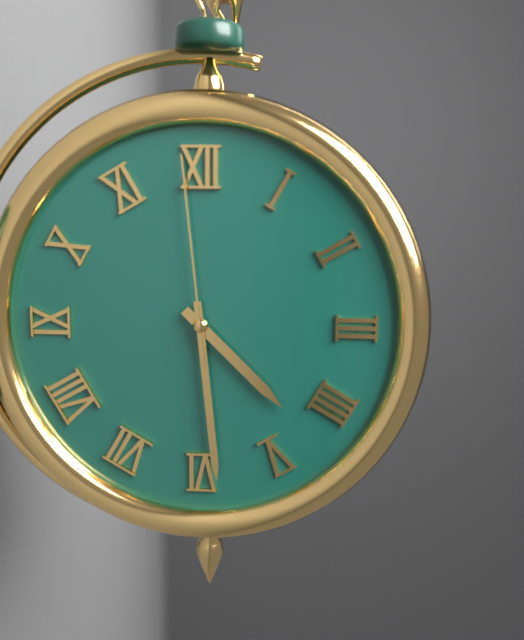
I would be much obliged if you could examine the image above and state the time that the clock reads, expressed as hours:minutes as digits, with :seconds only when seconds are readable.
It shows 4:29:59
